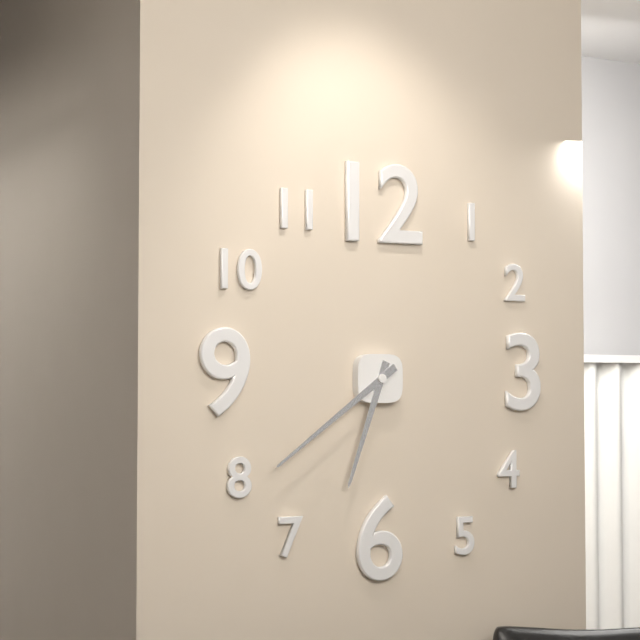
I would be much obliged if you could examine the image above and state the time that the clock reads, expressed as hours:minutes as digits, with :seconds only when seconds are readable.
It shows 6:39
